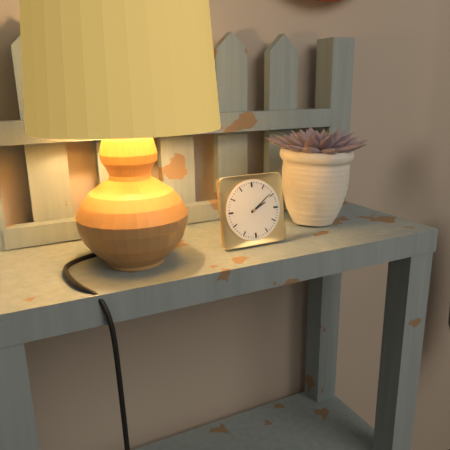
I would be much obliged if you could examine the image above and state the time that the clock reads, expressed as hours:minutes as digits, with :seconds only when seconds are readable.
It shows 2:09
